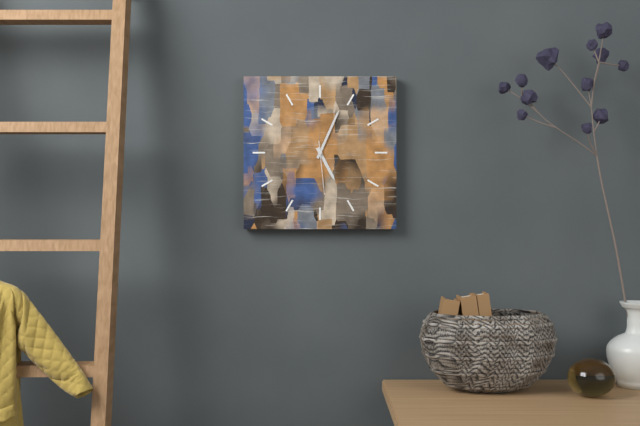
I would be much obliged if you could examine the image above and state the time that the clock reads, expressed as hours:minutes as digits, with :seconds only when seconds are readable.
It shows 5:04:29
